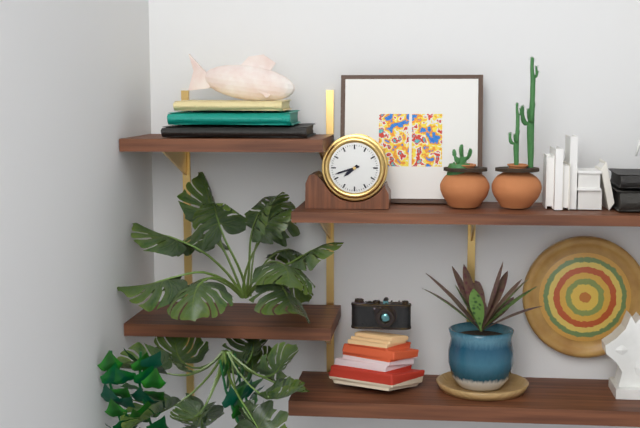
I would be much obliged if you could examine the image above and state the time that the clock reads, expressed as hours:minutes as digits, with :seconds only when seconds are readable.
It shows 7:42
